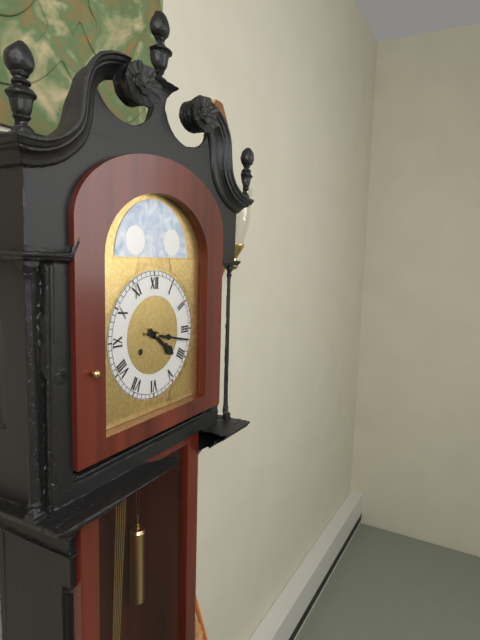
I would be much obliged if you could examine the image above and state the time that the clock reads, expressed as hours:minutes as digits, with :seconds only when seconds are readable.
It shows 4:17
